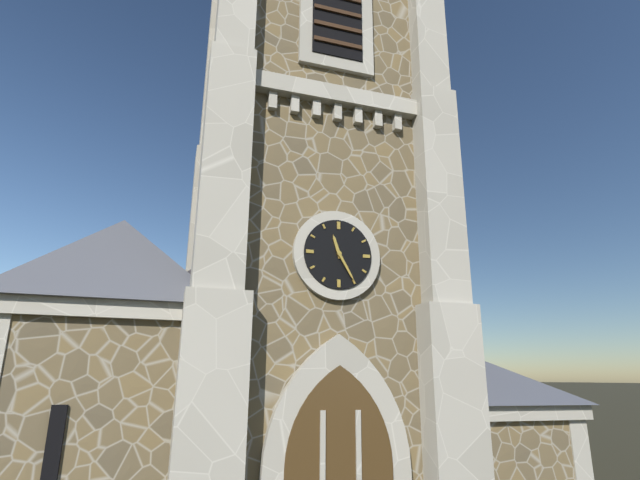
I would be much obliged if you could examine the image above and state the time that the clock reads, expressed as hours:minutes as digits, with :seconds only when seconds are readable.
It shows 11:25
